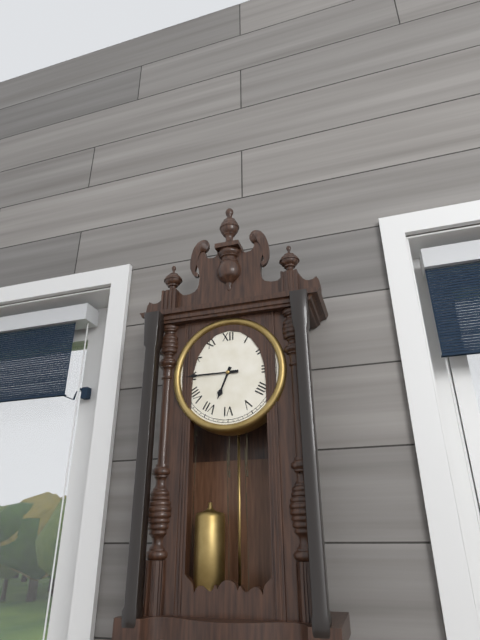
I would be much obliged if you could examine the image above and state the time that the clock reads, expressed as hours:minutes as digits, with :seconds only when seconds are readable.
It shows 6:45
